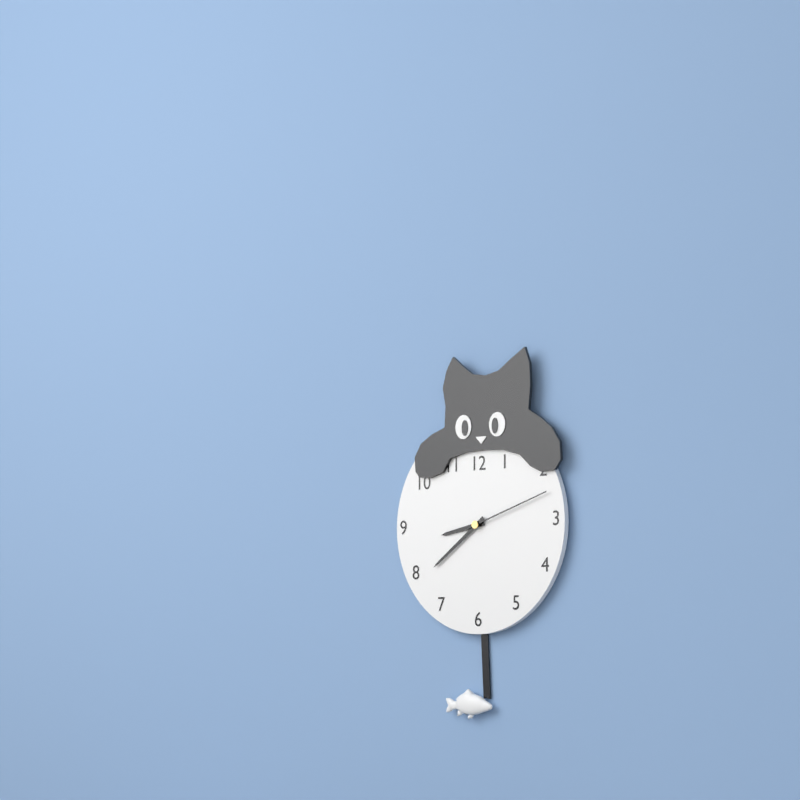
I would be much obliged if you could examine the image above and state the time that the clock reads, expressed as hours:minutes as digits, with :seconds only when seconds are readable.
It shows 8:39:12
